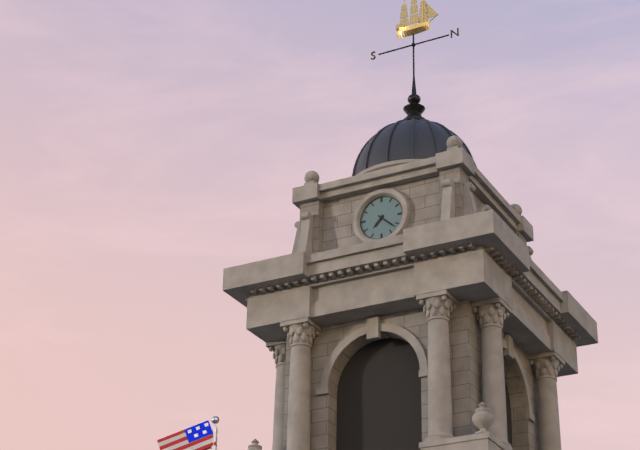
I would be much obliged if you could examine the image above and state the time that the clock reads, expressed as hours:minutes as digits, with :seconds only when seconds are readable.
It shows 7:22
